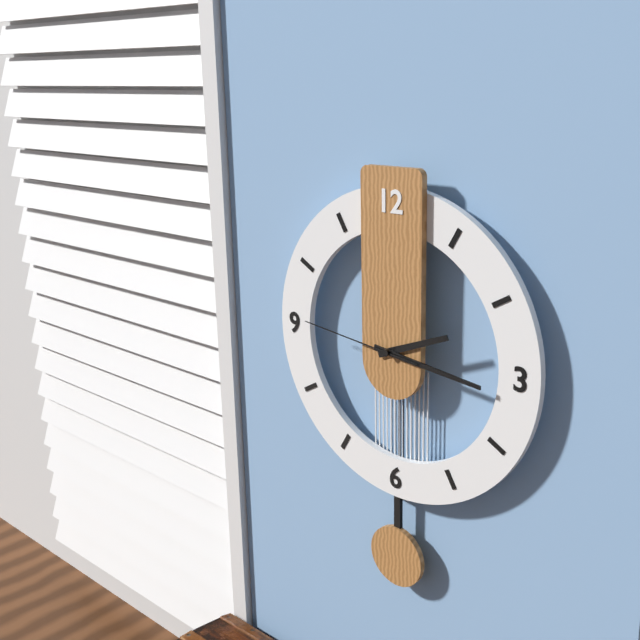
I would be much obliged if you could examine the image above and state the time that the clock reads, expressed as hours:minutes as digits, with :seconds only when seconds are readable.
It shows 2:16:46
